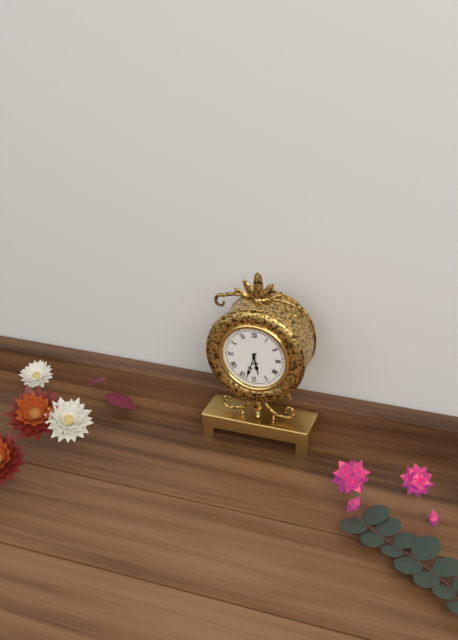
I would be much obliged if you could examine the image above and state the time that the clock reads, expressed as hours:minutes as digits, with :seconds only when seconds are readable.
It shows 5:33
